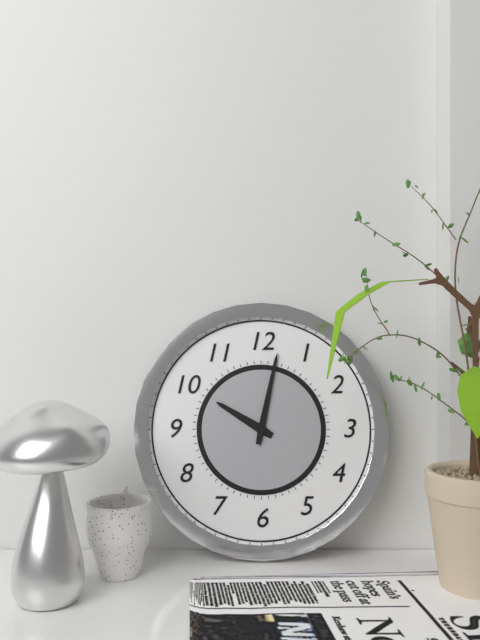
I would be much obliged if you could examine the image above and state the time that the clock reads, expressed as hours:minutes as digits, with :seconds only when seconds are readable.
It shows 10:02
